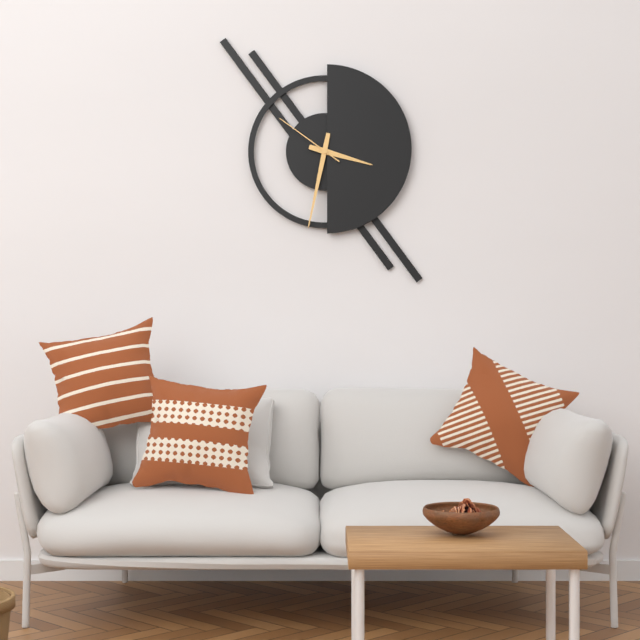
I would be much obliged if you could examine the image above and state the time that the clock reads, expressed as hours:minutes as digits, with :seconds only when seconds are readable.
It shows 3:32:51
